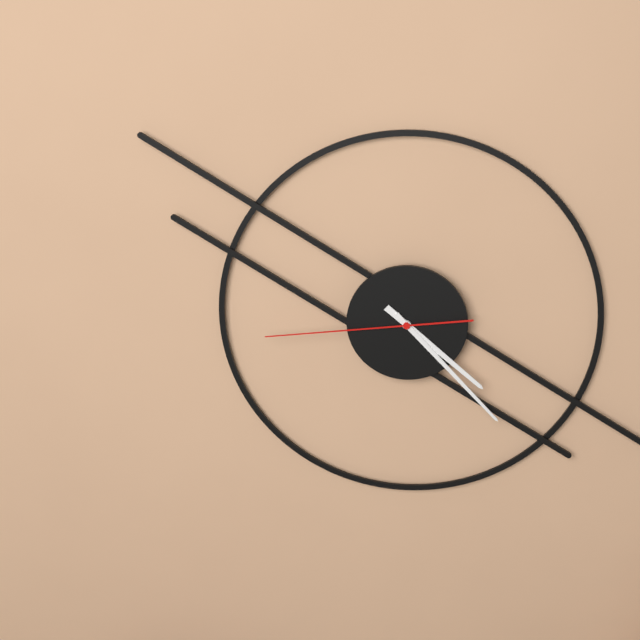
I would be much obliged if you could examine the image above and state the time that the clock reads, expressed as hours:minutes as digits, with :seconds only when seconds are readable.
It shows 4:23:44
